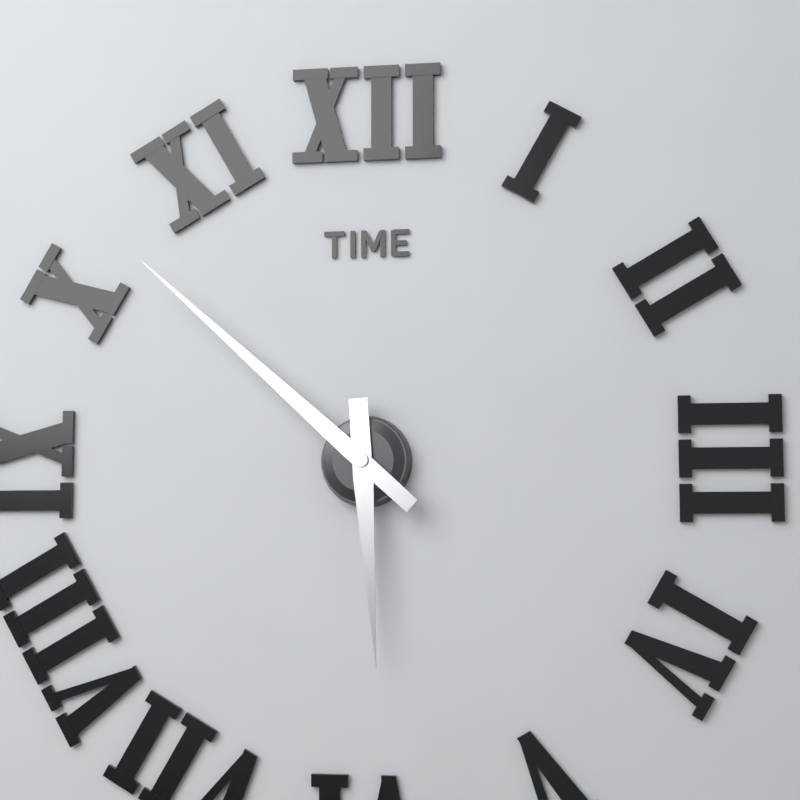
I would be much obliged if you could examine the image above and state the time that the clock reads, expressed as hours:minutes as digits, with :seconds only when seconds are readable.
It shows 5:52
